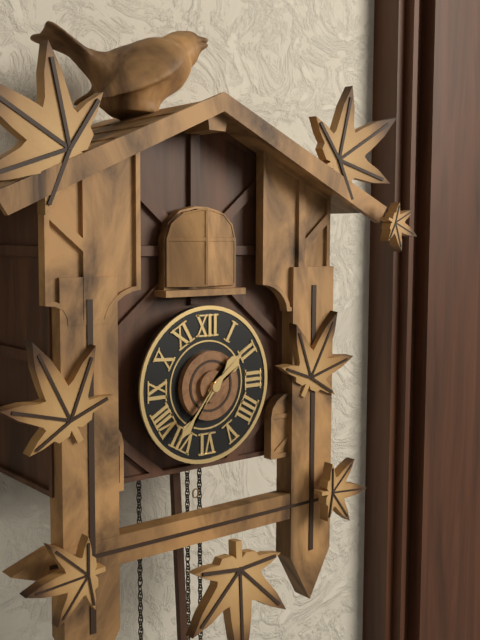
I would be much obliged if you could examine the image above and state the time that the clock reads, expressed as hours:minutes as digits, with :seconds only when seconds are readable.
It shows 1:37
